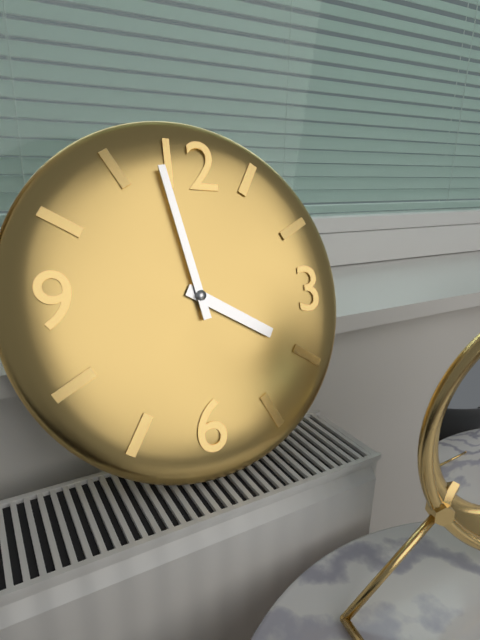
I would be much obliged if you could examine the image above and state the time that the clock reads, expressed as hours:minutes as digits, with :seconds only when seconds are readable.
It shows 3:58
